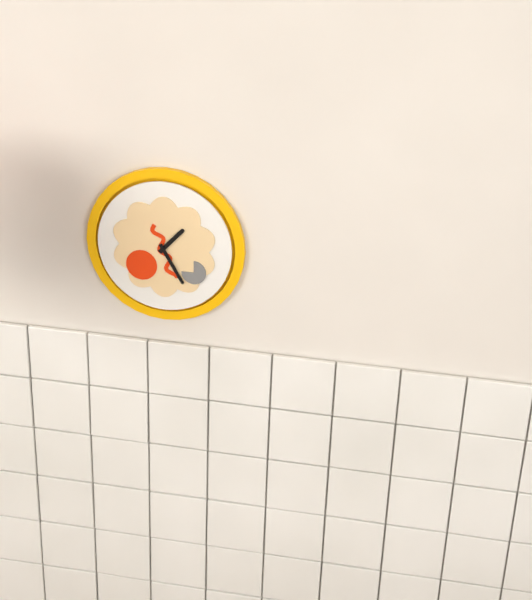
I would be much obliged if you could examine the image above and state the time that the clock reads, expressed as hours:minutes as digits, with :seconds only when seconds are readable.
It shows 1:25
